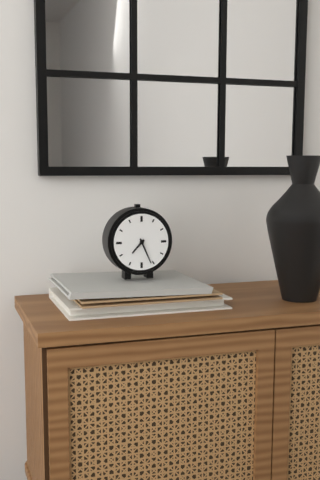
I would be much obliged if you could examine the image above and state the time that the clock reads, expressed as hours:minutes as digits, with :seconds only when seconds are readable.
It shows 7:26
